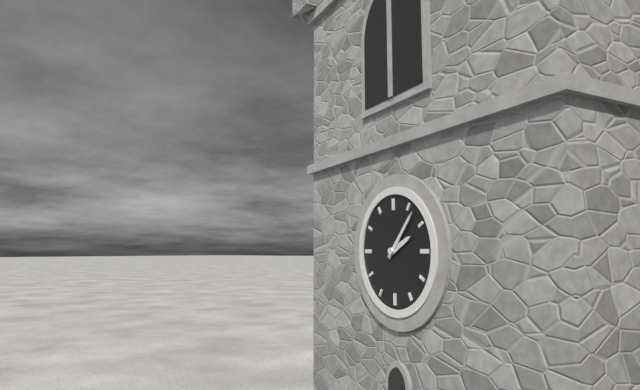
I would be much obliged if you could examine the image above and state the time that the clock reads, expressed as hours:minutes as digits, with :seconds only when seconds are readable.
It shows 2:07
